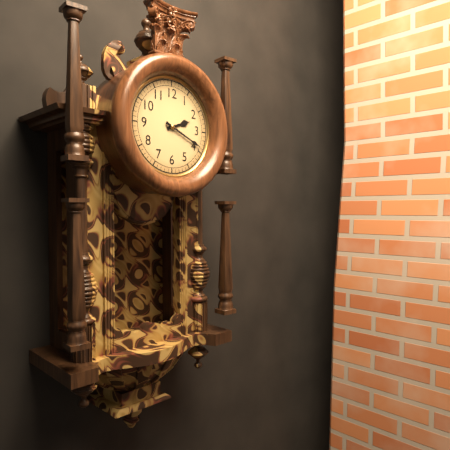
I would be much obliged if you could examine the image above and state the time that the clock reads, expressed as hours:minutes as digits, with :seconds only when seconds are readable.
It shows 2:19
